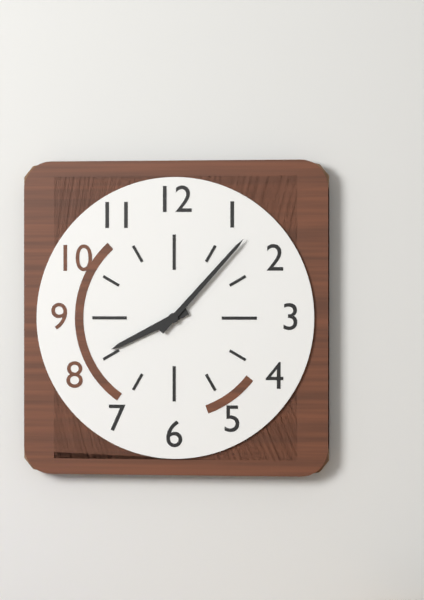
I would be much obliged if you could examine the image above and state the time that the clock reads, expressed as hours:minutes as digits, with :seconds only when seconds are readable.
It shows 8:07
